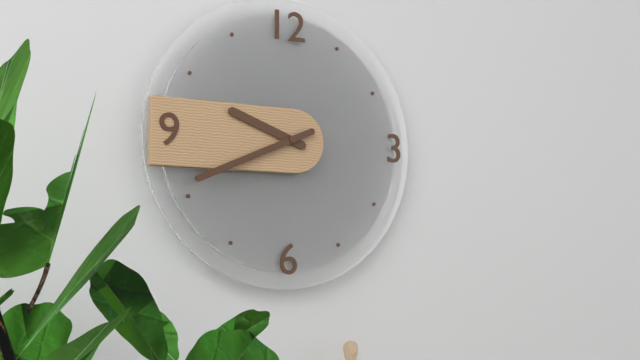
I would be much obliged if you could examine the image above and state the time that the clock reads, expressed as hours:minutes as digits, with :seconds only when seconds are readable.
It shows 9:41
